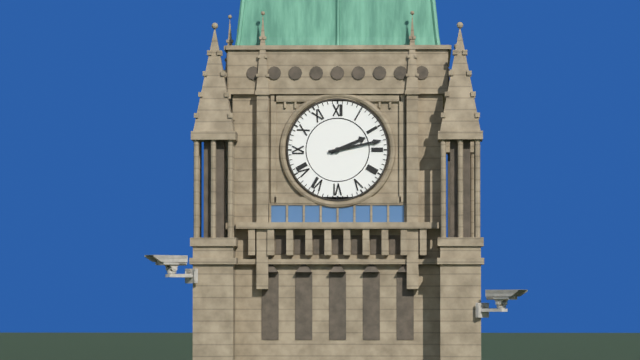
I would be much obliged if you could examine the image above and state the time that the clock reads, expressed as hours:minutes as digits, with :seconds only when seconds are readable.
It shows 2:13
